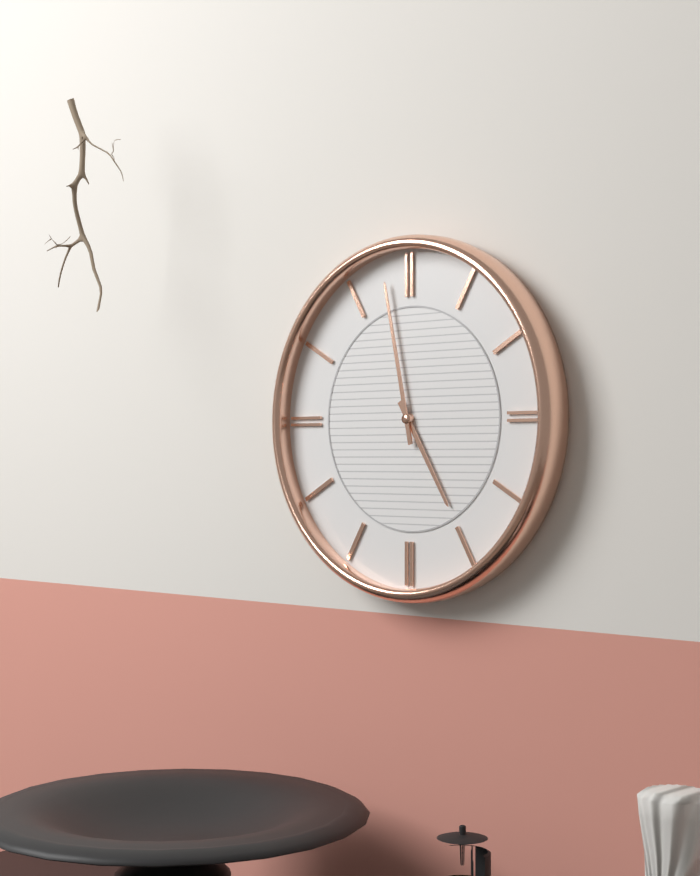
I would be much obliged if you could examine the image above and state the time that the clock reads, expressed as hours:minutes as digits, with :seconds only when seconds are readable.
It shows 4:58
